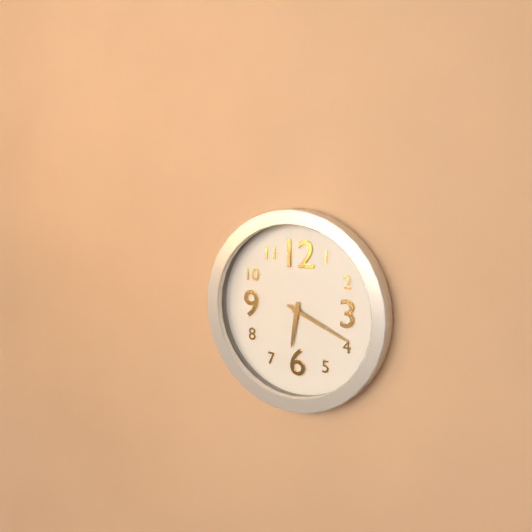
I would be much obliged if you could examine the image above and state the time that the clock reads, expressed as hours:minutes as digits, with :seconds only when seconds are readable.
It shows 6:19
